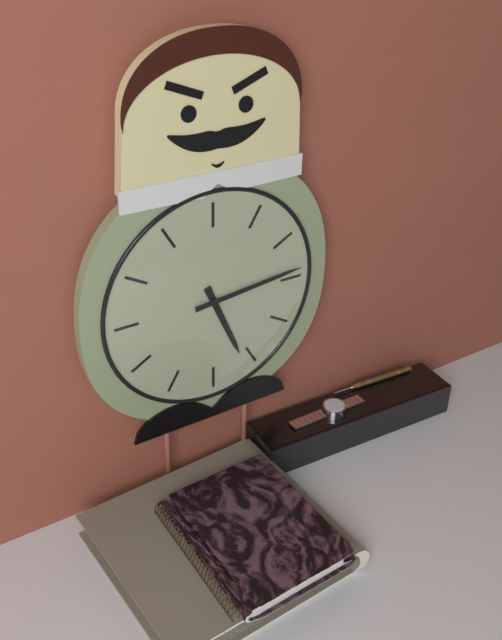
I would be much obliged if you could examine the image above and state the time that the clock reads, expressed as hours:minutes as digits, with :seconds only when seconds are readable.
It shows 5:14
